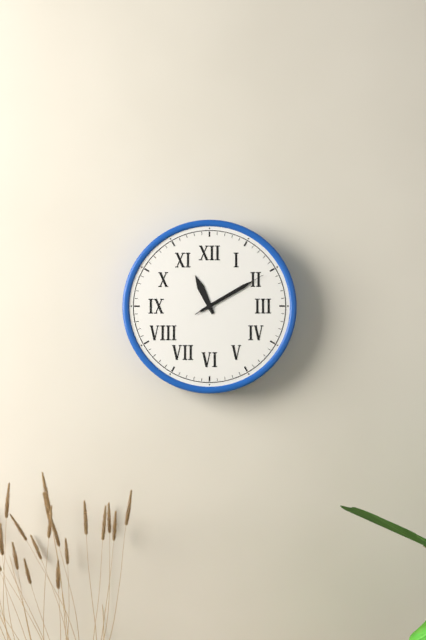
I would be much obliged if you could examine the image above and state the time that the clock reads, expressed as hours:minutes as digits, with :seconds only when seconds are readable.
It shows 11:10:10
